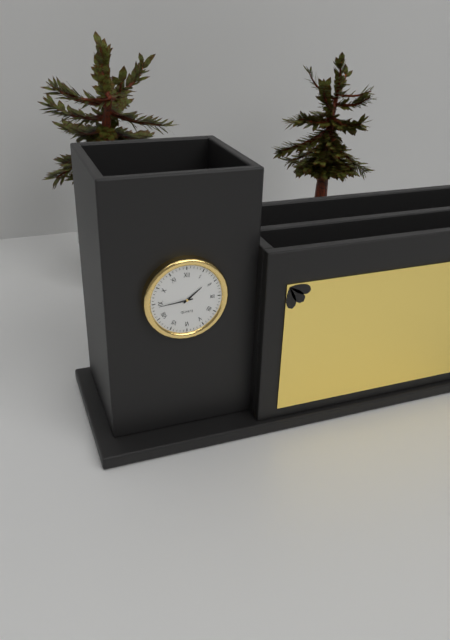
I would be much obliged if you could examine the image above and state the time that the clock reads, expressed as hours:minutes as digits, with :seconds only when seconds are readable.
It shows 1:44
